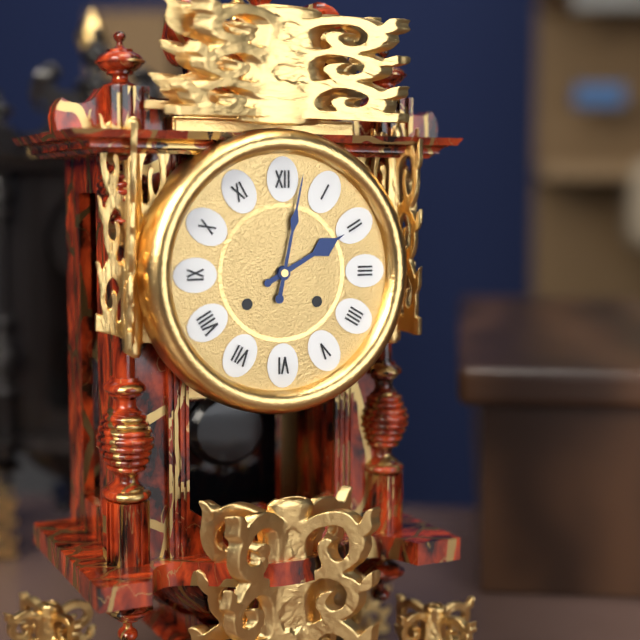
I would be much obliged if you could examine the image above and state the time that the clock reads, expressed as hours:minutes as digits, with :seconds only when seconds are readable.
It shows 2:02
